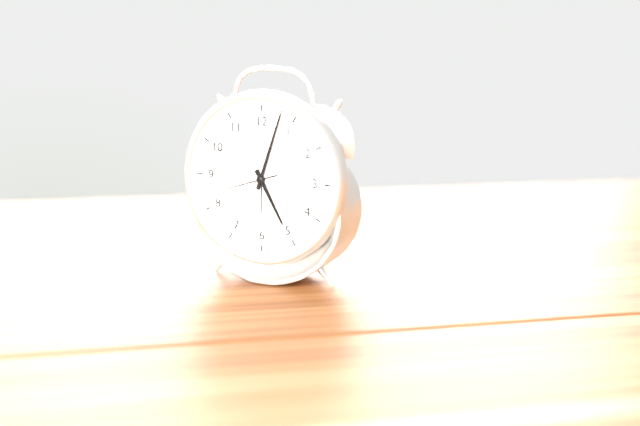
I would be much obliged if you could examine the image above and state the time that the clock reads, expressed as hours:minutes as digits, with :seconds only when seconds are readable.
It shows 5:03:42
